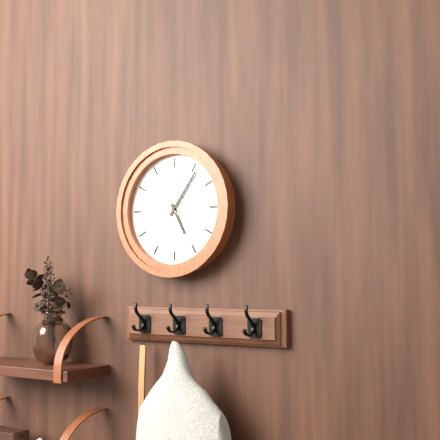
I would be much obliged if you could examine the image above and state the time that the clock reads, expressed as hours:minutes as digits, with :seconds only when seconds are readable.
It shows 5:06:52
